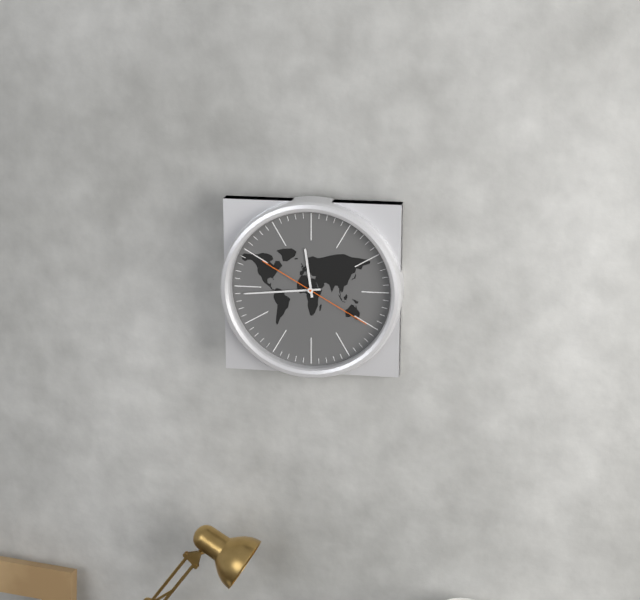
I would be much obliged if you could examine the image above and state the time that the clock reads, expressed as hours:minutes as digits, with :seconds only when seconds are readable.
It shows 11:44:20
